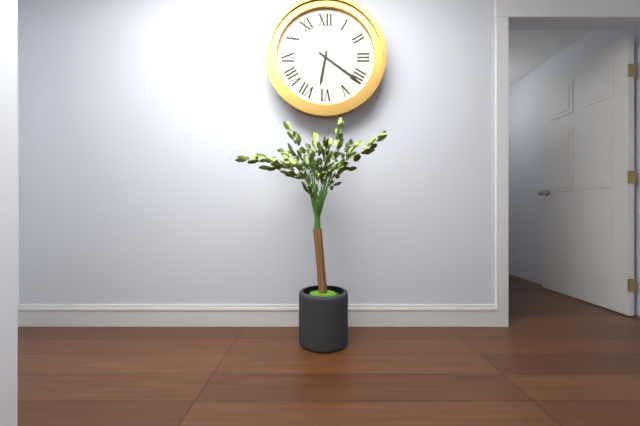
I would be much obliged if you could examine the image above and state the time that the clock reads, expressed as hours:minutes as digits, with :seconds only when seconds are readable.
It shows 6:21
